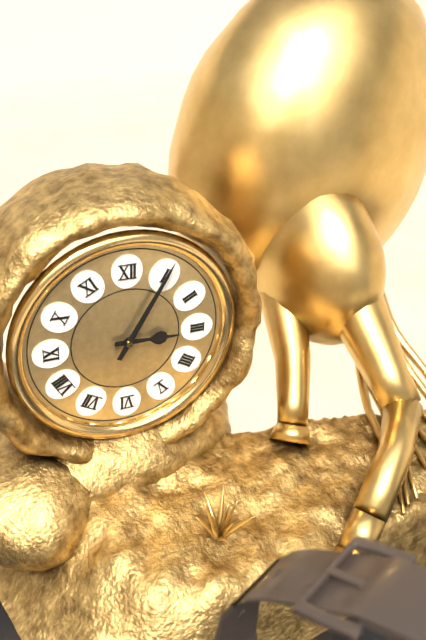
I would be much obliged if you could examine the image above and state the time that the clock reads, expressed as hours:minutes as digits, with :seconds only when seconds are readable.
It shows 3:05
